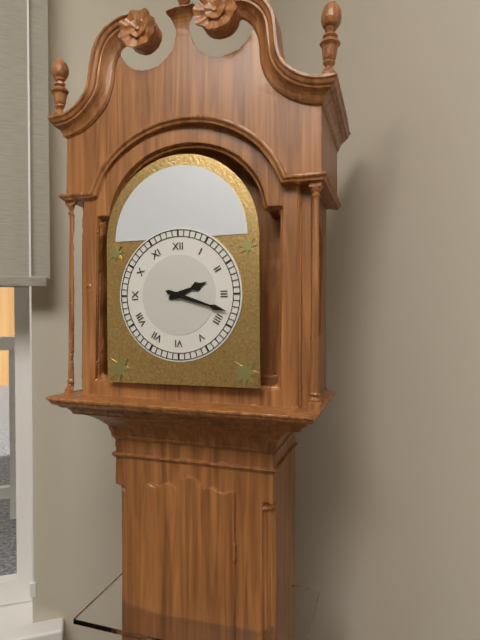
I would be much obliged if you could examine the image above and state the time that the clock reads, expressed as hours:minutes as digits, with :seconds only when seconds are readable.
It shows 2:18
